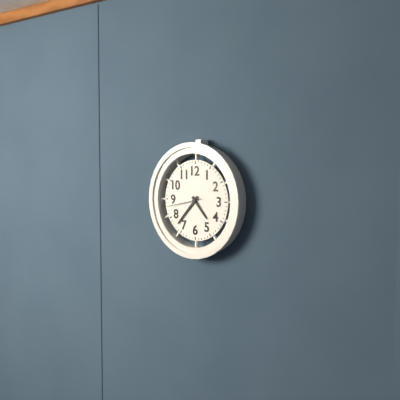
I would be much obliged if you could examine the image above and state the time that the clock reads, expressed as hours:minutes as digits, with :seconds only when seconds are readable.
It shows 4:37
